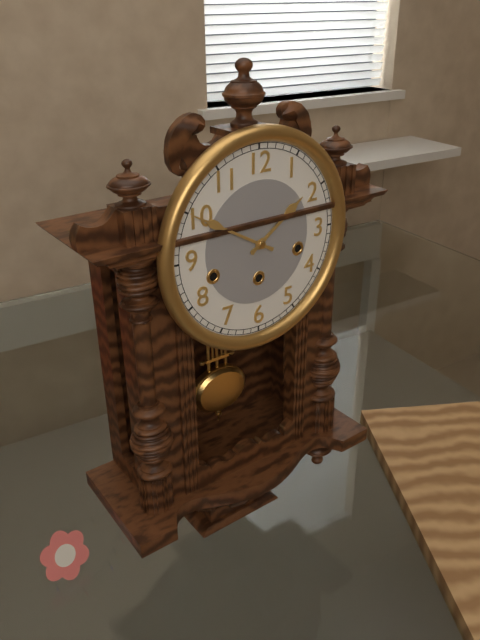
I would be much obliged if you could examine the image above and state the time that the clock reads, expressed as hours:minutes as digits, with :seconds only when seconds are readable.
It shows 1:50
